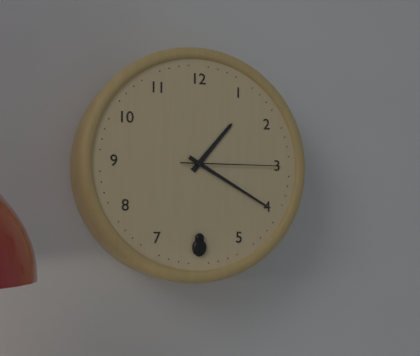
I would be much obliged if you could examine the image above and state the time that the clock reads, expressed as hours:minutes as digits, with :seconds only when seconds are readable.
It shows 1:20:15
